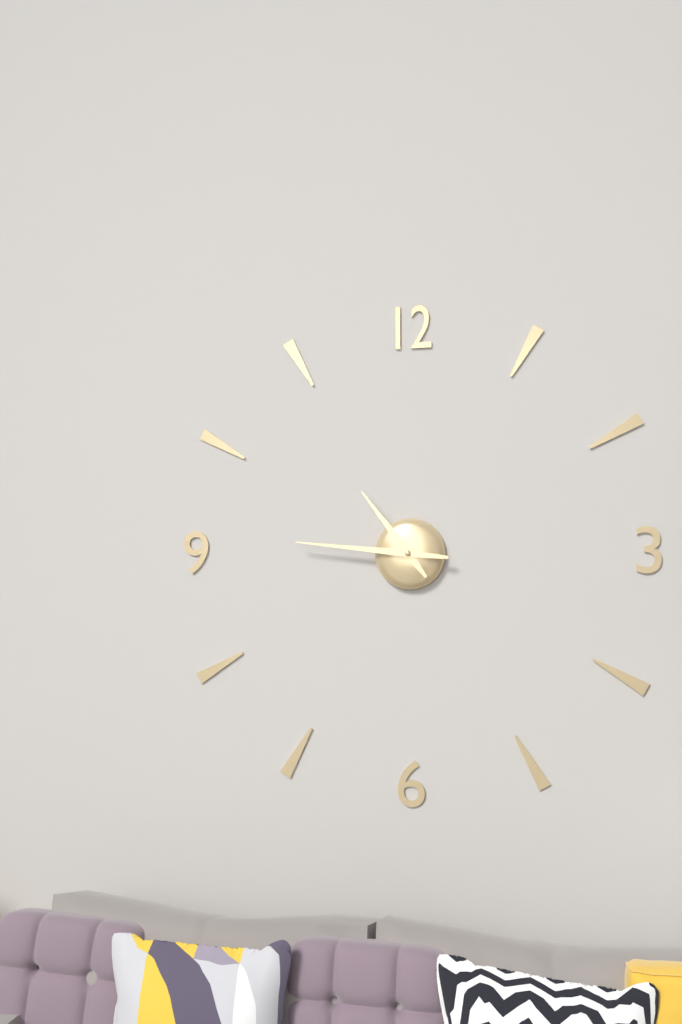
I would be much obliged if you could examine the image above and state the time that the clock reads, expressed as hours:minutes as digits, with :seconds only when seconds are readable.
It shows 10:46
